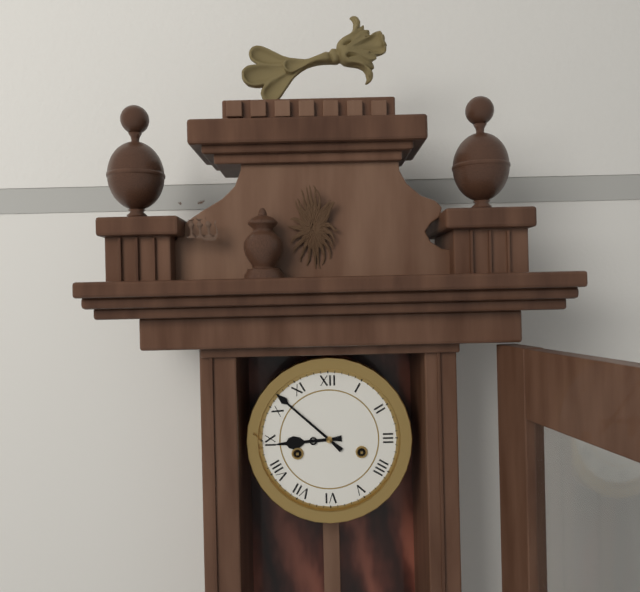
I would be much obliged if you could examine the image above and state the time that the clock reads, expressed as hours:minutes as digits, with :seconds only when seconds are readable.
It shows 8:52
